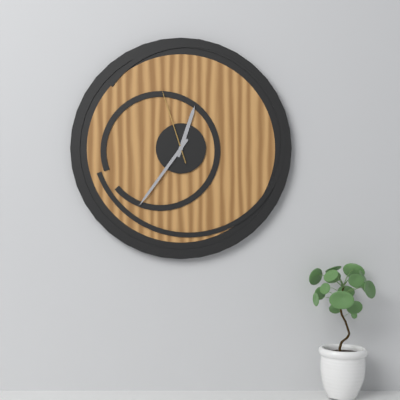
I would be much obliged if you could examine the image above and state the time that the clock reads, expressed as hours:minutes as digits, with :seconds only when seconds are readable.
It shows 12:36:57
